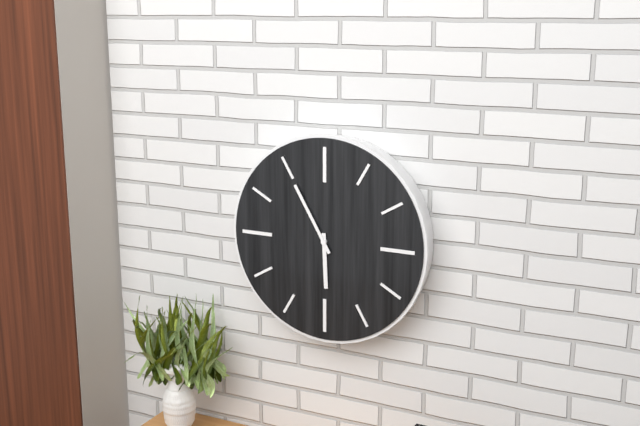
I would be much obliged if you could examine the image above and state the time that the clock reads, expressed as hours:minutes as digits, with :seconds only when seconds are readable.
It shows 5:55
